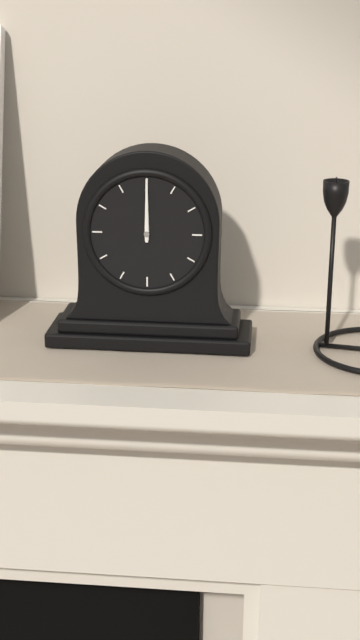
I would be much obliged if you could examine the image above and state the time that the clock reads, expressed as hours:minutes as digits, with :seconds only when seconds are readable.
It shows 12:00
